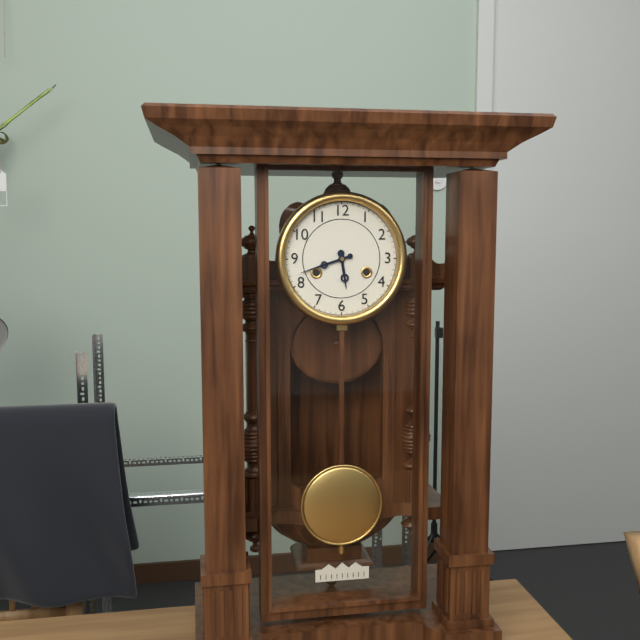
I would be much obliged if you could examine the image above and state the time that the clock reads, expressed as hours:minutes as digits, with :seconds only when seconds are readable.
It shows 5:42
